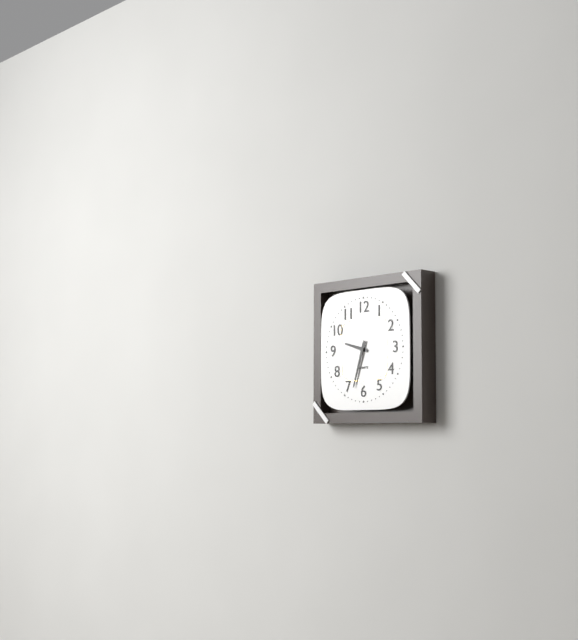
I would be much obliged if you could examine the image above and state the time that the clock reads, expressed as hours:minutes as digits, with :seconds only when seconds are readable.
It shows 9:33
